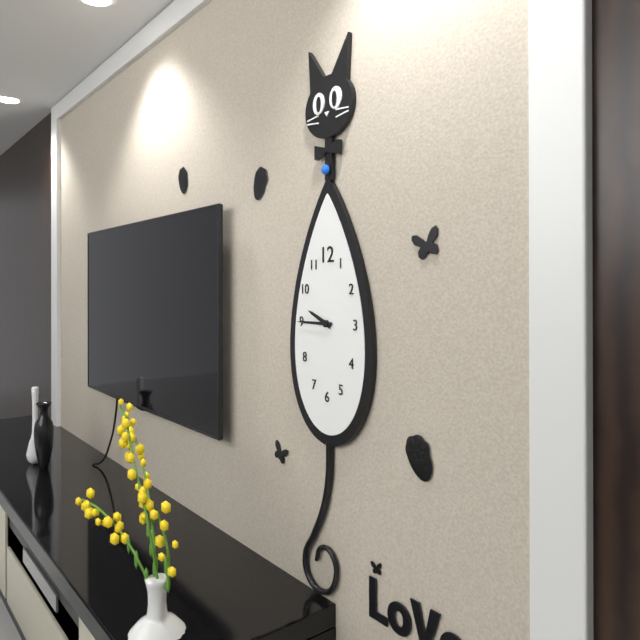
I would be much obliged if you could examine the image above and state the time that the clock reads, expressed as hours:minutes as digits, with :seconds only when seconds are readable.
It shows 9:45
